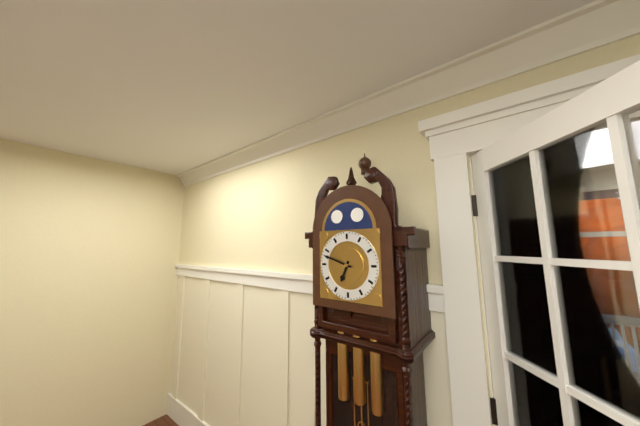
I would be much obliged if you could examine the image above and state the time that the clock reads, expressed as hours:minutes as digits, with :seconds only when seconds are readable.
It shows 6:48
